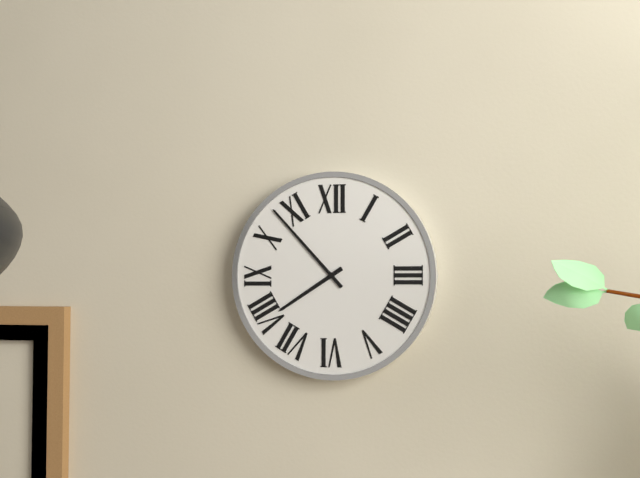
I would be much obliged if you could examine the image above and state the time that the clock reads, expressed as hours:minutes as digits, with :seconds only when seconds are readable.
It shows 7:53
